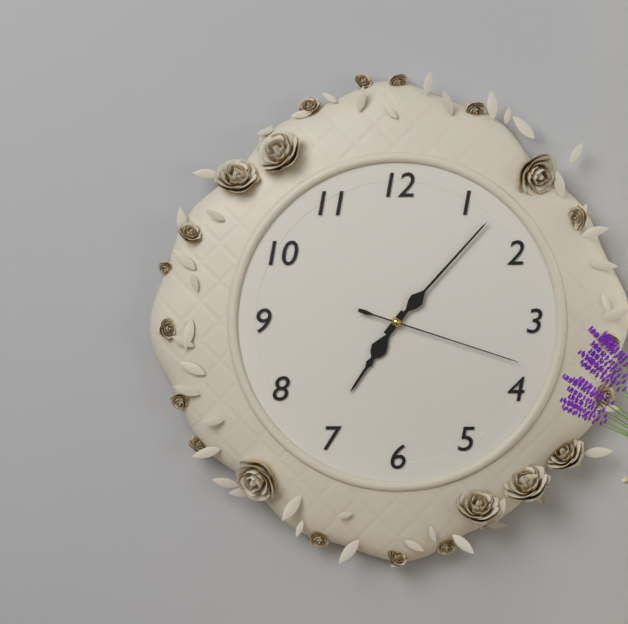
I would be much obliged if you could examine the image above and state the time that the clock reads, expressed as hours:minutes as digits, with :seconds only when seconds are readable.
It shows 7:07:18
